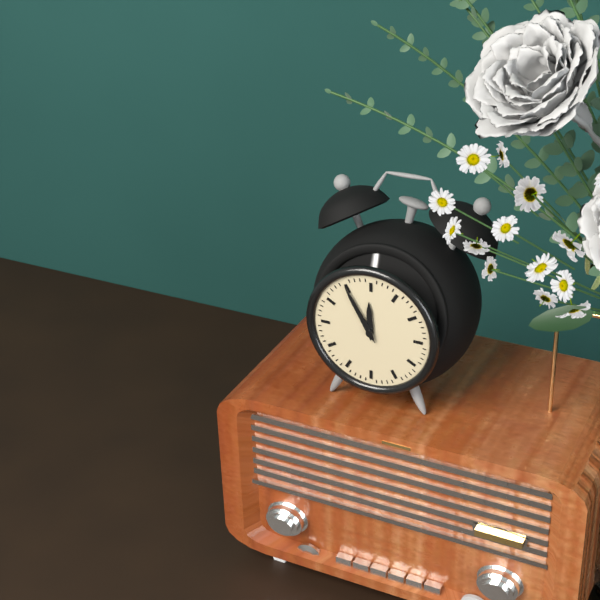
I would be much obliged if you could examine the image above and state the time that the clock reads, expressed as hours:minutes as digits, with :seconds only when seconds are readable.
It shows 11:55
